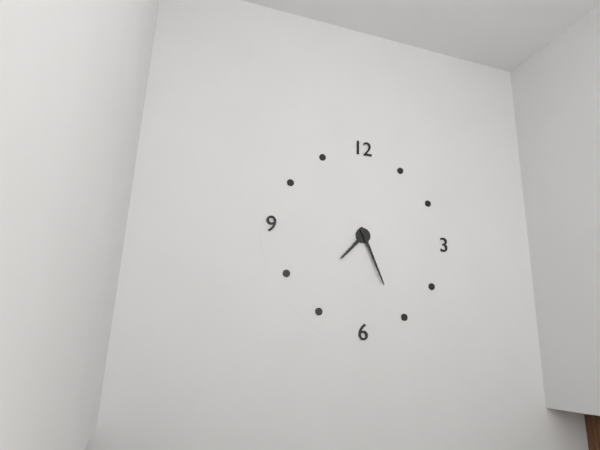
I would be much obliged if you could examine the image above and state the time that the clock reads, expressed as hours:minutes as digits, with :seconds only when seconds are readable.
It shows 7:26
